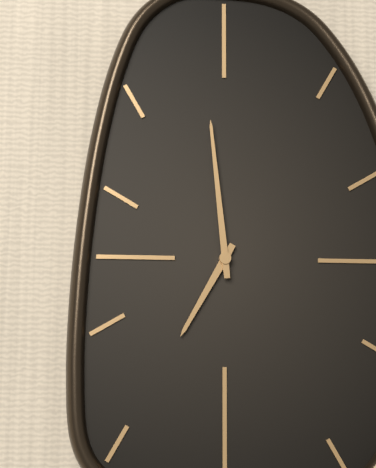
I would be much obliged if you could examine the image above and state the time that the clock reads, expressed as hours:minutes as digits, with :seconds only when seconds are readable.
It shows 6:59
